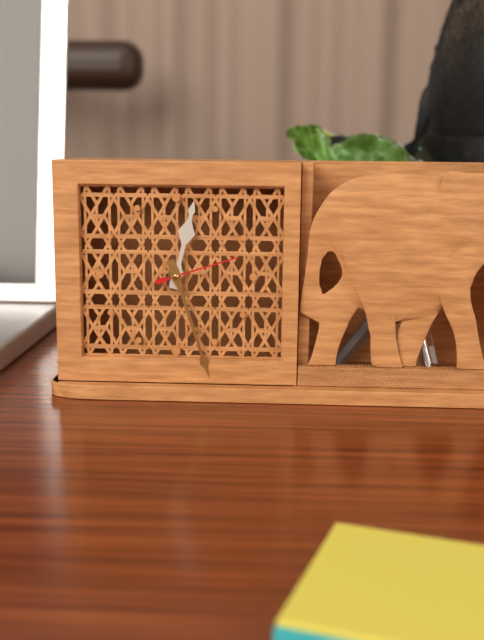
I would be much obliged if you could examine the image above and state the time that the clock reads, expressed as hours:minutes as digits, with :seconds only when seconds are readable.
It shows 12:27:12
